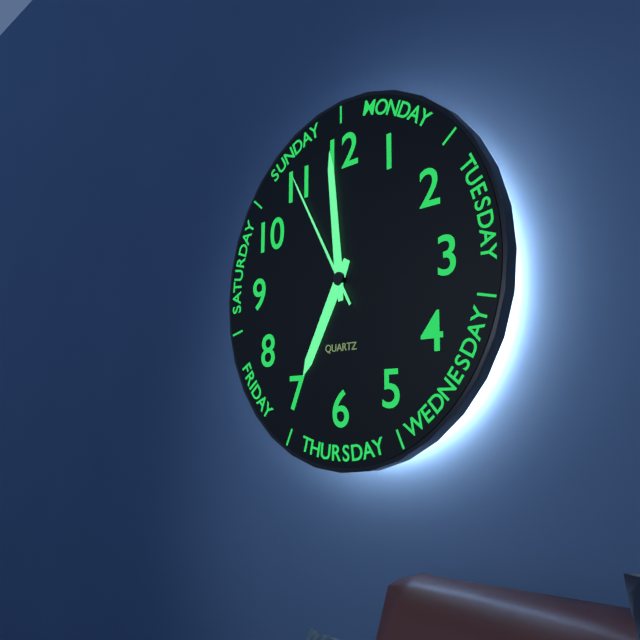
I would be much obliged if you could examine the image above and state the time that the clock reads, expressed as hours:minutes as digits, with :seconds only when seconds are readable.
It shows 6:59:55
